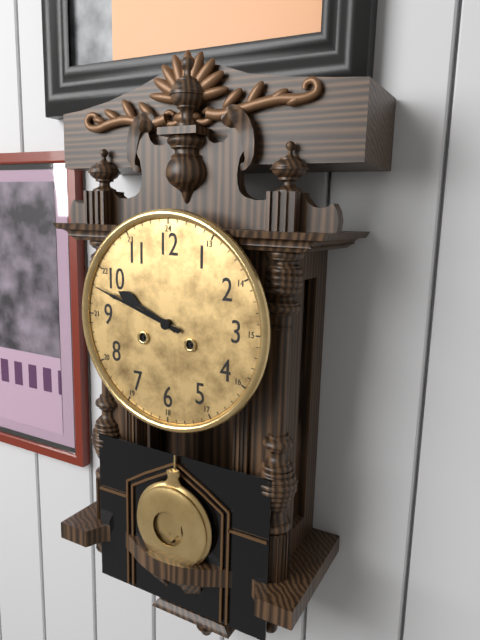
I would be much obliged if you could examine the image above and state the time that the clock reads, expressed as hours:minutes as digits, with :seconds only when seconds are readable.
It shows 9:48
